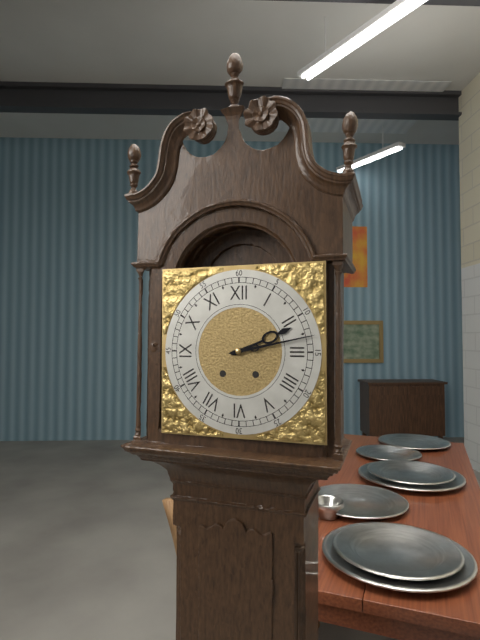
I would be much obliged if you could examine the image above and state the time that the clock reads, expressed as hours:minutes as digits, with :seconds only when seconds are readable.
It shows 2:13
